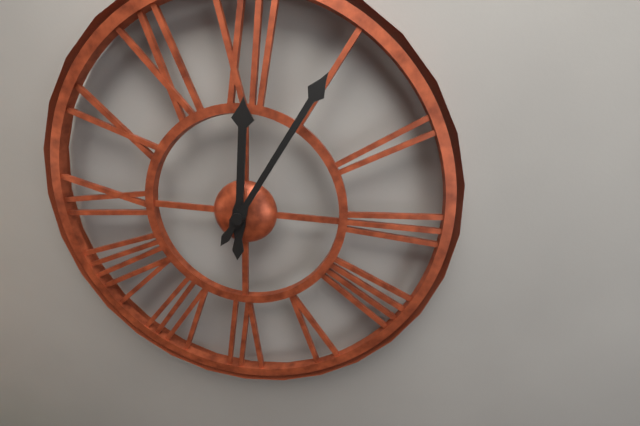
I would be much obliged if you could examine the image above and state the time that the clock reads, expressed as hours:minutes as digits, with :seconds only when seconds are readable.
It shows 12:05
